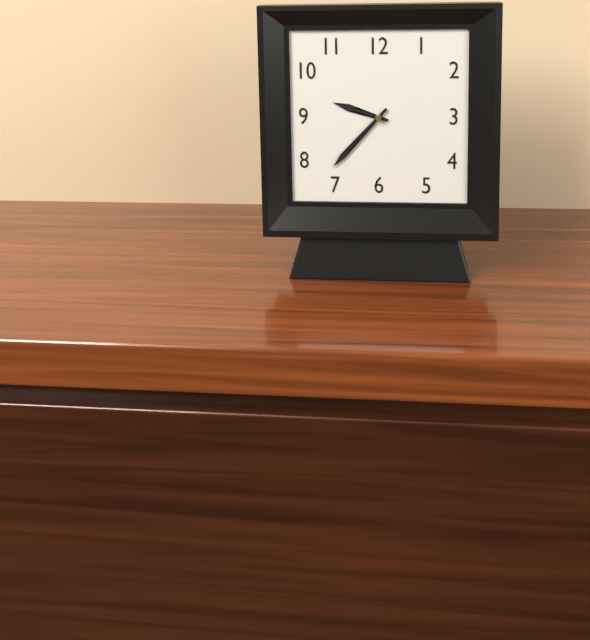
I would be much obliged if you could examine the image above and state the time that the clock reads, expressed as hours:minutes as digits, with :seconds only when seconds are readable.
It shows 9:37
